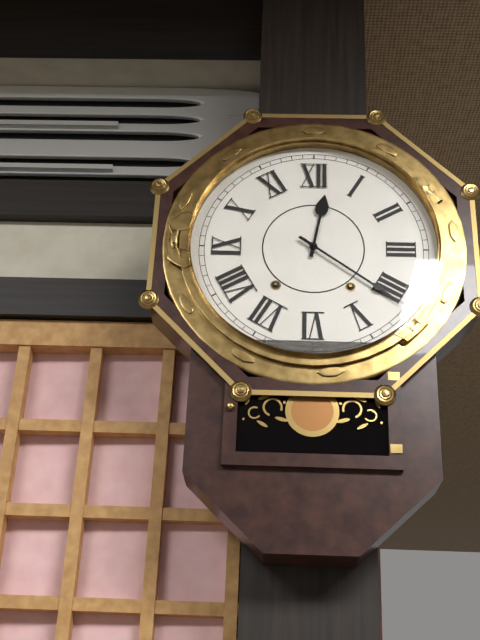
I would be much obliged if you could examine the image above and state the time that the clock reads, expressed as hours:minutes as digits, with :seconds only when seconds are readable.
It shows 12:21
